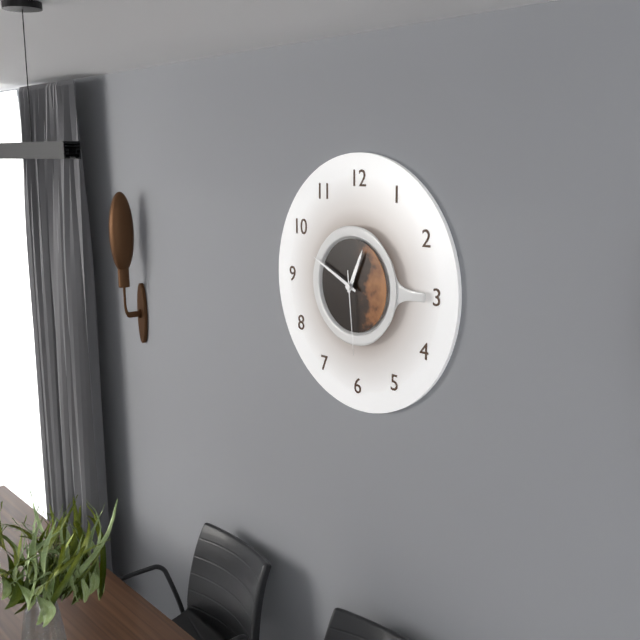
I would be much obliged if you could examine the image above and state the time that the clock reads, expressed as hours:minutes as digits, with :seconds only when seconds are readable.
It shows 12:49:29
